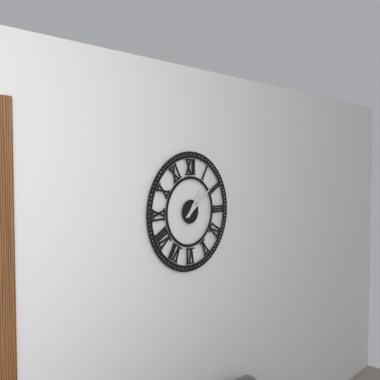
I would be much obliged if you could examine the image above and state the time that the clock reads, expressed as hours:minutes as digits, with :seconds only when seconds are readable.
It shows 1:09
